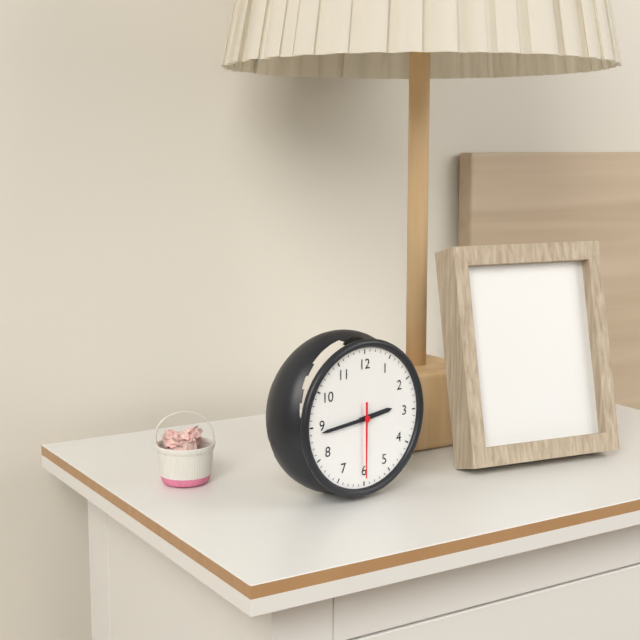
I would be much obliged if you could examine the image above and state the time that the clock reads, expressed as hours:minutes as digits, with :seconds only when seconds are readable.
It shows 2:44:30
